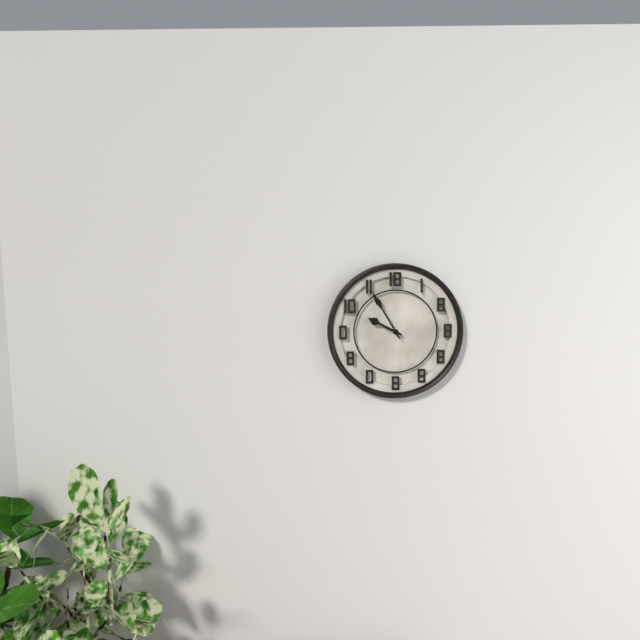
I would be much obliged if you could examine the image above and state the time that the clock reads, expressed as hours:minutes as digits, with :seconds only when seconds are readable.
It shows 9:55
